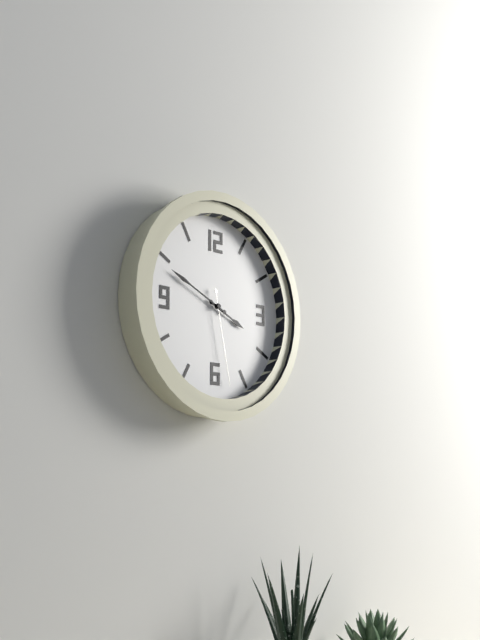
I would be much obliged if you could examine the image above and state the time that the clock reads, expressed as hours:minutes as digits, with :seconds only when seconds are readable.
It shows 3:49:28
